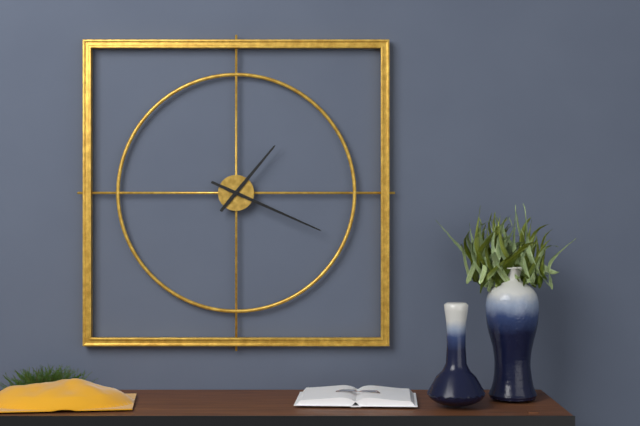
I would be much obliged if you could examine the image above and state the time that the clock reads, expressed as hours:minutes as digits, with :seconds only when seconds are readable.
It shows 1:19
